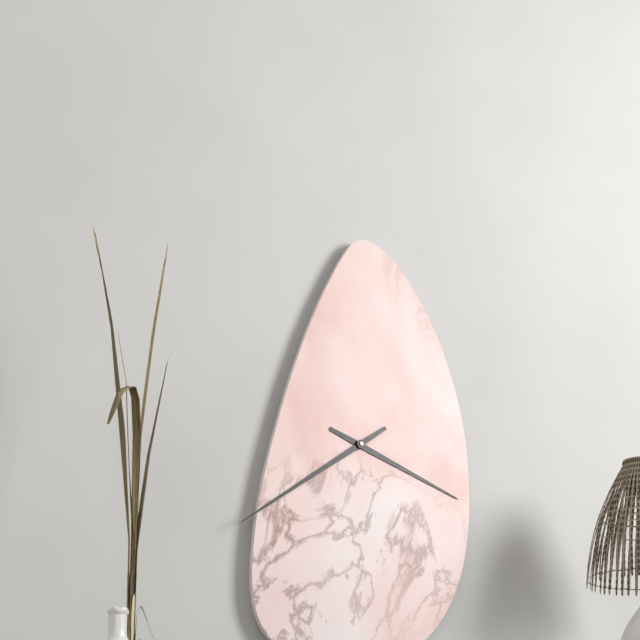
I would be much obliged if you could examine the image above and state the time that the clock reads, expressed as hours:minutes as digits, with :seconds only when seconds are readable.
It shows 3:39
